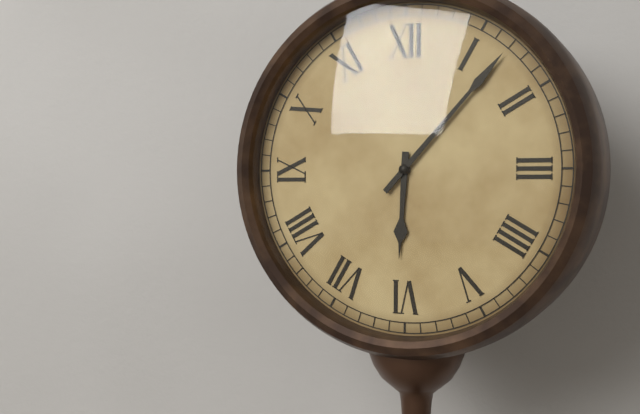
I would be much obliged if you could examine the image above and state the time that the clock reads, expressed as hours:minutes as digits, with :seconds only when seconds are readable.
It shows 6:07
